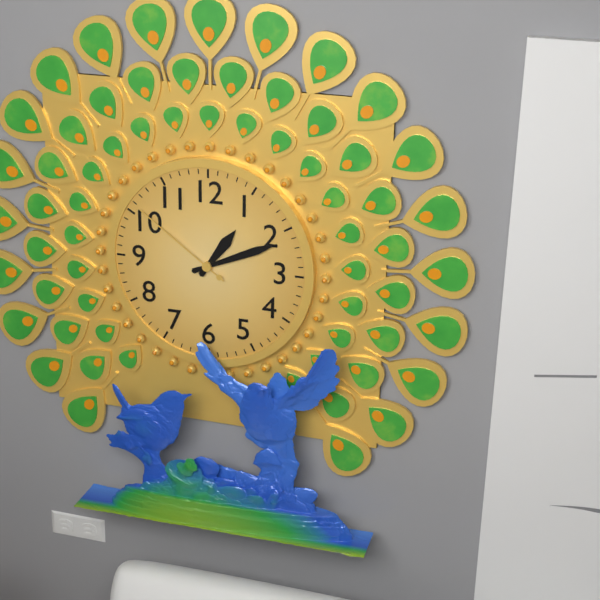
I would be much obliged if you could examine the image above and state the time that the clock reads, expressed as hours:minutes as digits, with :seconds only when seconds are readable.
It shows 1:11:51
